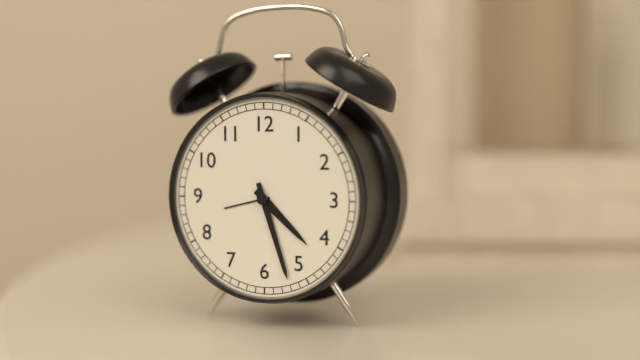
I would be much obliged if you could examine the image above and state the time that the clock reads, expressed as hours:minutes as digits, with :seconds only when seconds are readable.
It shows 4:27
